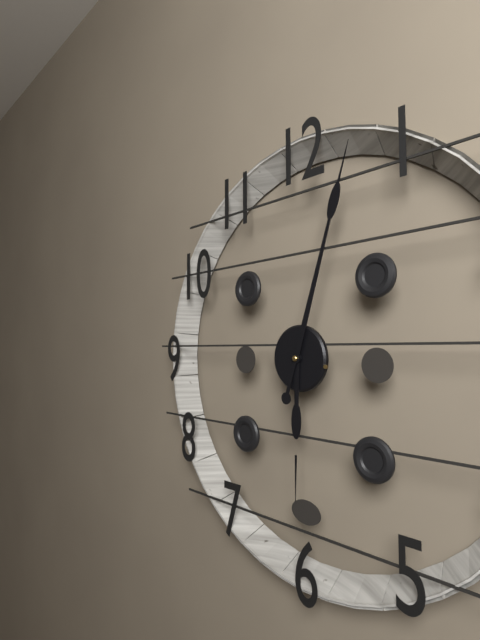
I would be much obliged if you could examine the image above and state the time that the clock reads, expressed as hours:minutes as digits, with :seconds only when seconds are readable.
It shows 6:03
